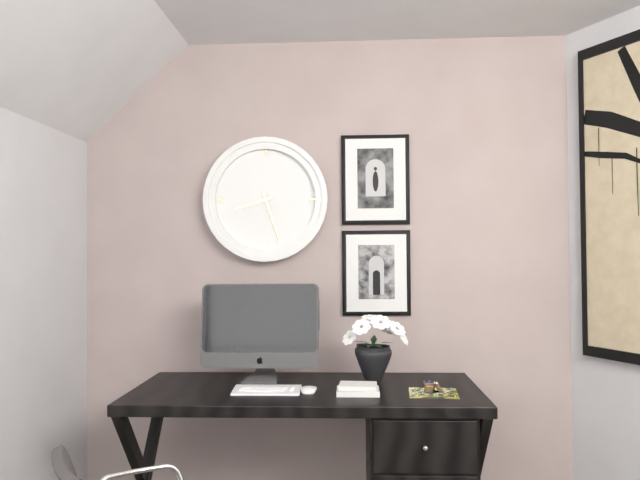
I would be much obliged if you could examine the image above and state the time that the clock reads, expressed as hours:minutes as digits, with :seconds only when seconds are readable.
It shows 8:27
